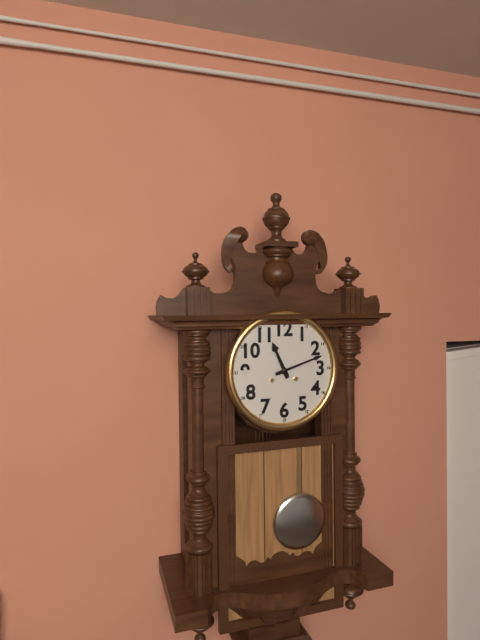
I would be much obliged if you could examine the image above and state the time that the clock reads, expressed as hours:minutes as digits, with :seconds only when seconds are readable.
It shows 11:12
